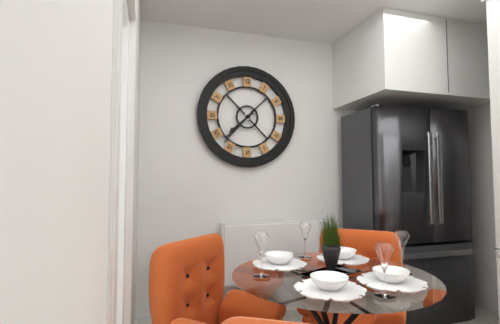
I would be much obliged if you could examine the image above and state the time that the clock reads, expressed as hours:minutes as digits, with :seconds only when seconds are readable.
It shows 7:37
